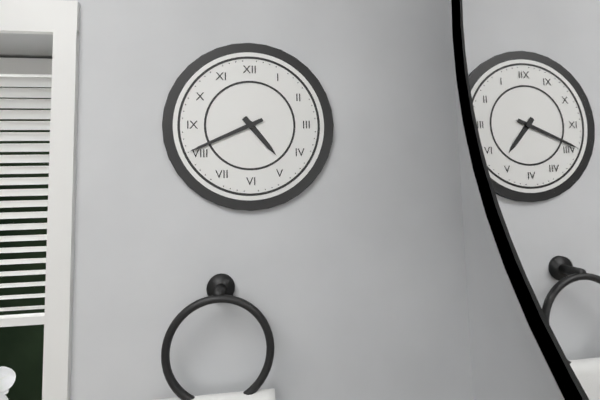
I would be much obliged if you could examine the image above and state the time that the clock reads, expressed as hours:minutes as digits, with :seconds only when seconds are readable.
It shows 4:41
